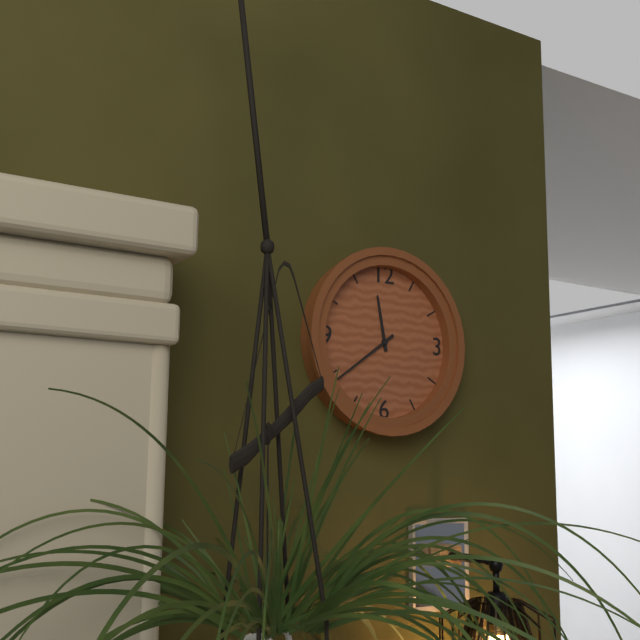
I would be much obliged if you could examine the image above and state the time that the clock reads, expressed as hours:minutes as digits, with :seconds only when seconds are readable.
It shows 11:39
